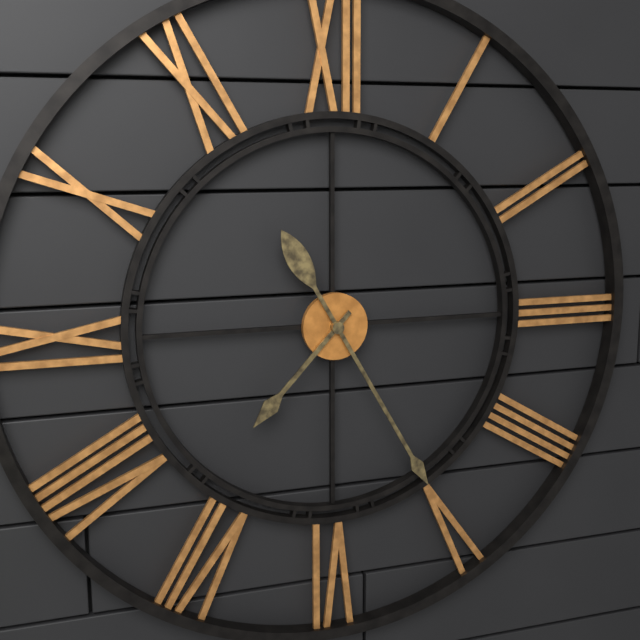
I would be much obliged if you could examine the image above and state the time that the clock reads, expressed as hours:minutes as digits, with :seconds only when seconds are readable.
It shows 7:25
